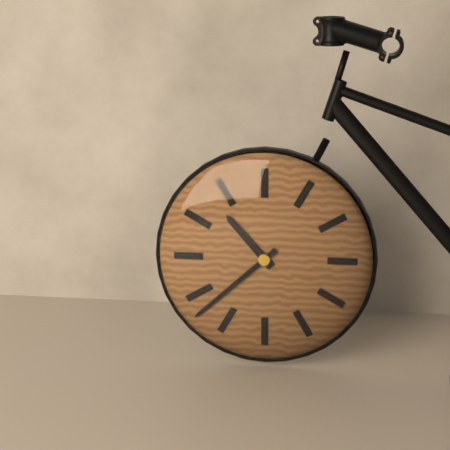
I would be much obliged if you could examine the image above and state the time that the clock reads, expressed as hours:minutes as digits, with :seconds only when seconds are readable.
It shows 10:38
